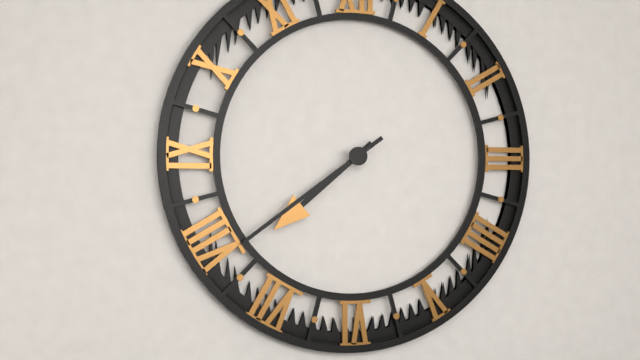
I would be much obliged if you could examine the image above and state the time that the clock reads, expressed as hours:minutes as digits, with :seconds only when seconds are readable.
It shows 7:39
